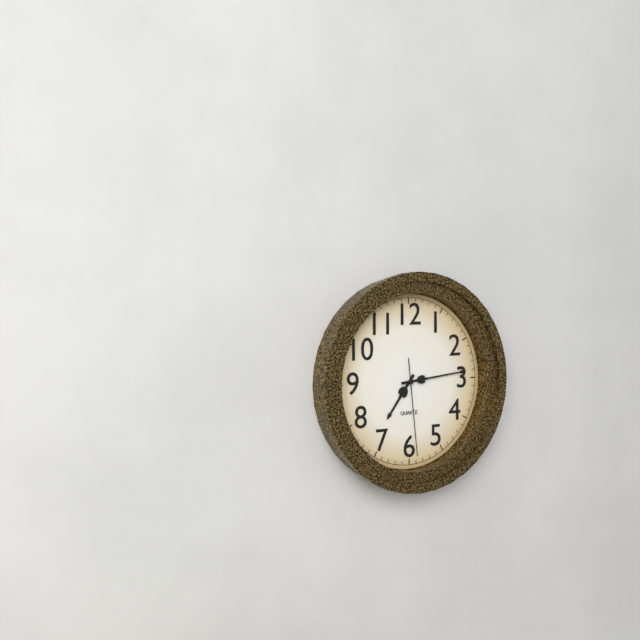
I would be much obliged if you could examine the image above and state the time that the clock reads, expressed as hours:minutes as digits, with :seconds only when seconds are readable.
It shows 7:14:29
